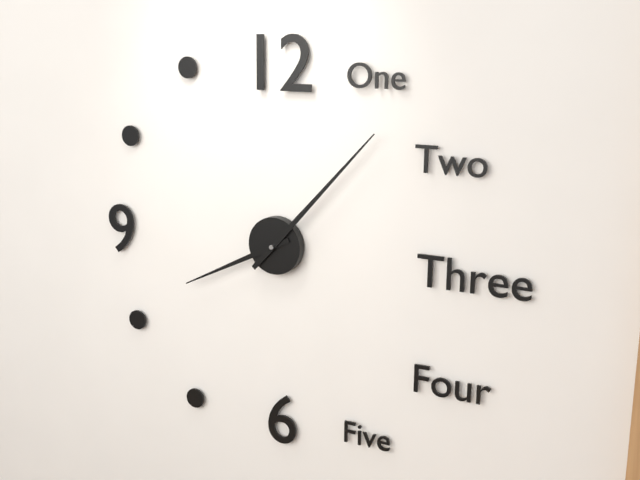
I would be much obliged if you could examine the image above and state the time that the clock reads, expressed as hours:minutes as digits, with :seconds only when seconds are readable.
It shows 8:07
